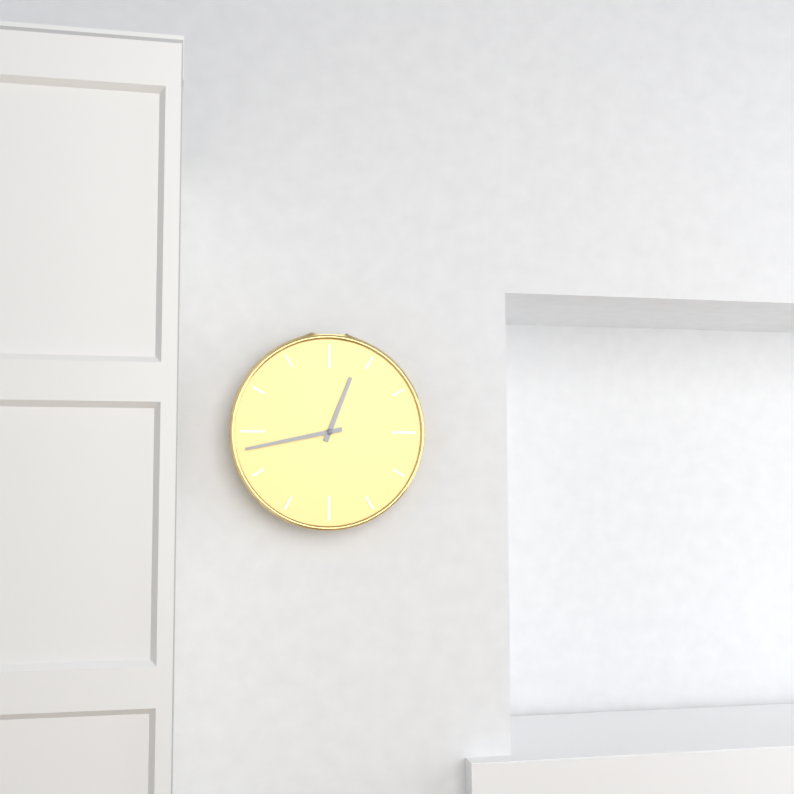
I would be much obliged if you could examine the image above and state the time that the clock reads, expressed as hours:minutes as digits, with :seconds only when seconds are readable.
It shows 12:43
